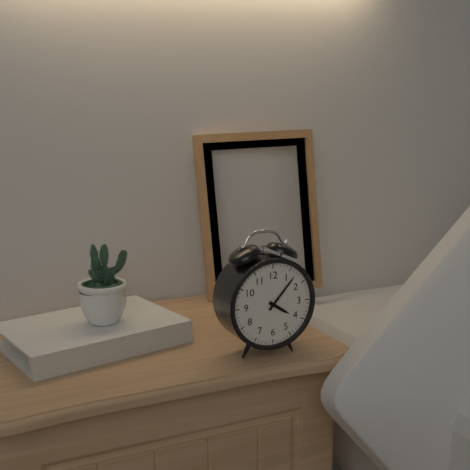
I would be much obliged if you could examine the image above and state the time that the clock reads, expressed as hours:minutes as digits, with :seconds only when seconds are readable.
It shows 4:07
